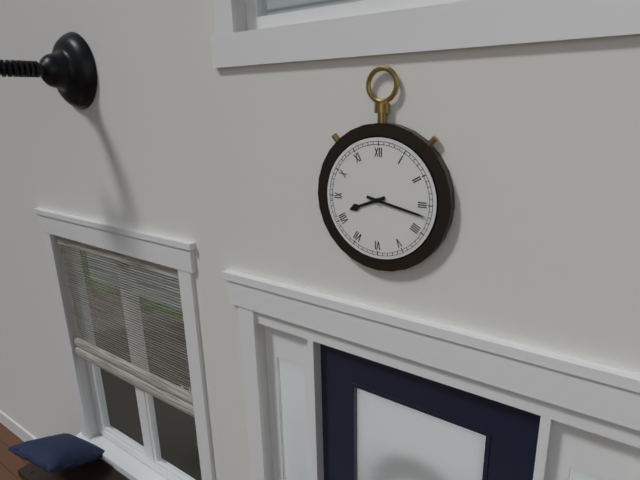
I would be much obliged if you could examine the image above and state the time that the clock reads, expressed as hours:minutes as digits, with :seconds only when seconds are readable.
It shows 8:17
